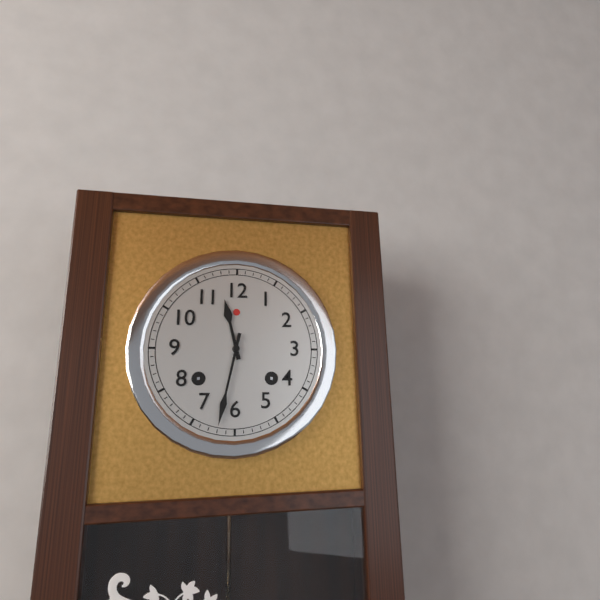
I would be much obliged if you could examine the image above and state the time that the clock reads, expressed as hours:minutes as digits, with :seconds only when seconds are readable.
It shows 11:32
